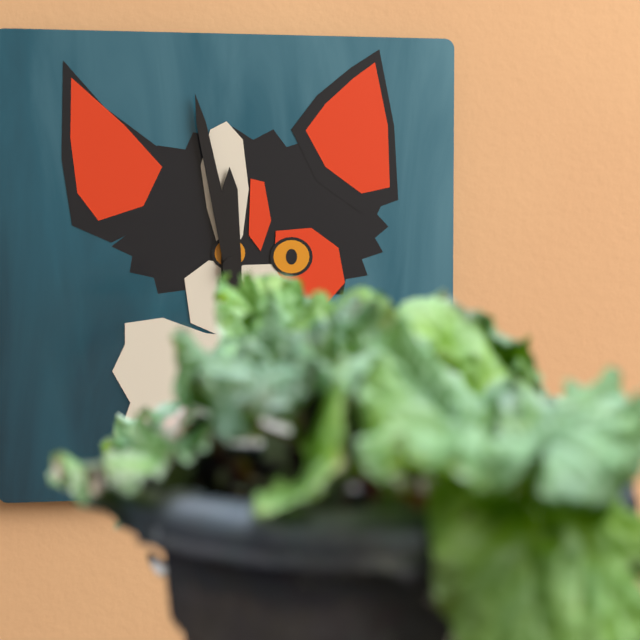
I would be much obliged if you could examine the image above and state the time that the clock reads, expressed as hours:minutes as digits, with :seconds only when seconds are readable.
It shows 11:58
